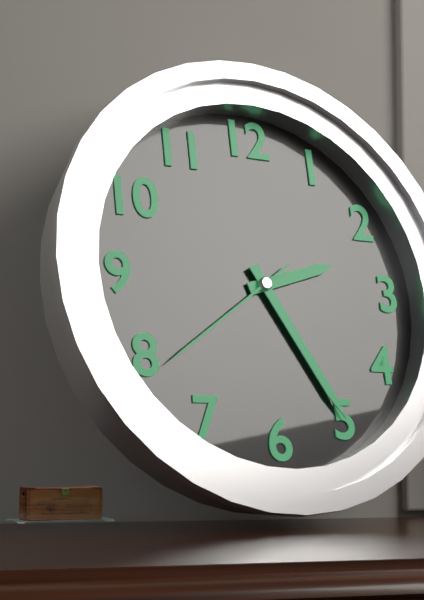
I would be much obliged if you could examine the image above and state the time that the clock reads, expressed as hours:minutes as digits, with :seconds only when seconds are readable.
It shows 2:25:39
